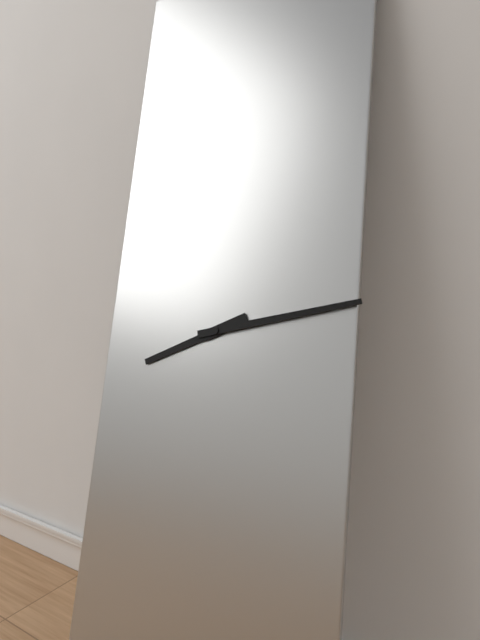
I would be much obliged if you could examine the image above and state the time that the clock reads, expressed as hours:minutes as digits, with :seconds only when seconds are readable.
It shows 8:13
